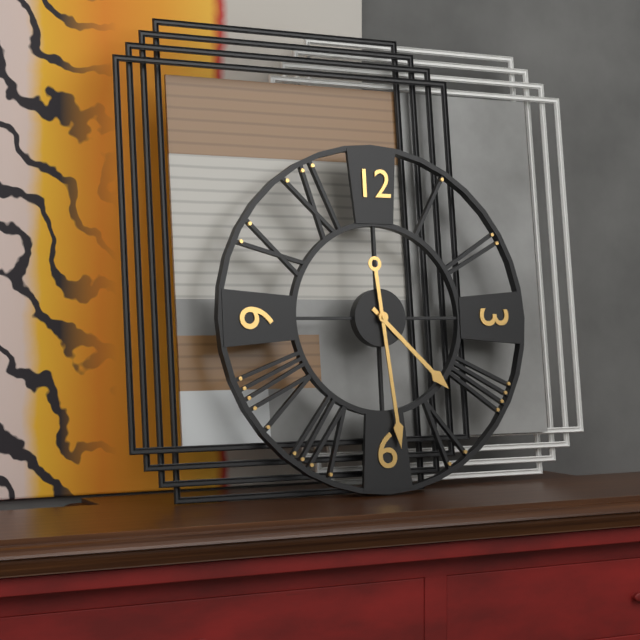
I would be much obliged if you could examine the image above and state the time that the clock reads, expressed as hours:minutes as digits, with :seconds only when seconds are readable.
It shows 4:29
